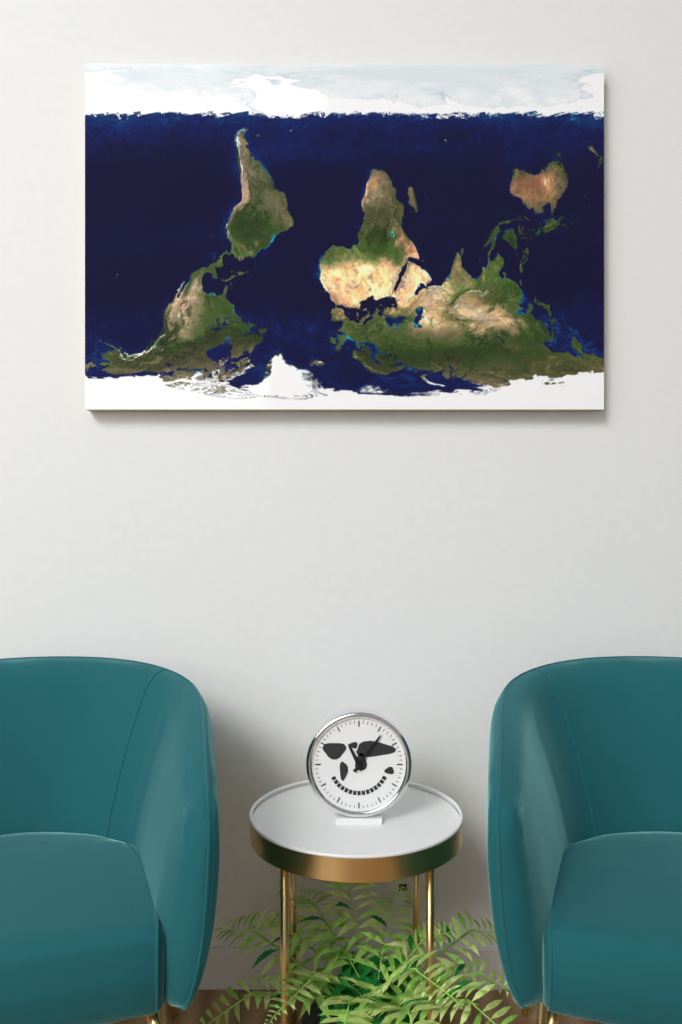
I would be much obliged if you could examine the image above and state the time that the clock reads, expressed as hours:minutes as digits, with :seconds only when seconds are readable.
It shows 11:06
